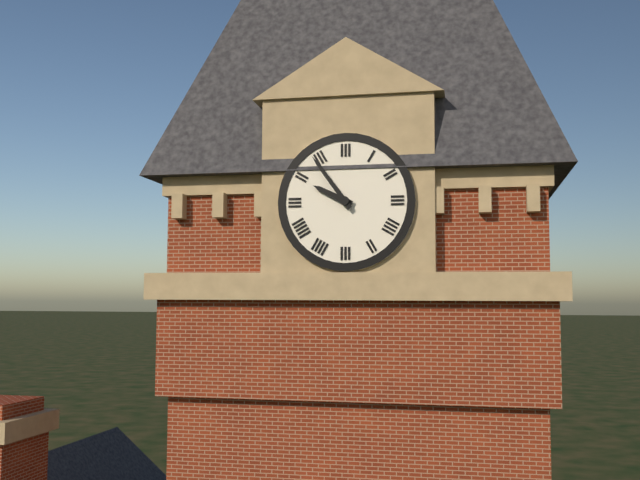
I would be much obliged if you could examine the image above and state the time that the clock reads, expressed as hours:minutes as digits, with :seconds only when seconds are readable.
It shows 9:54
